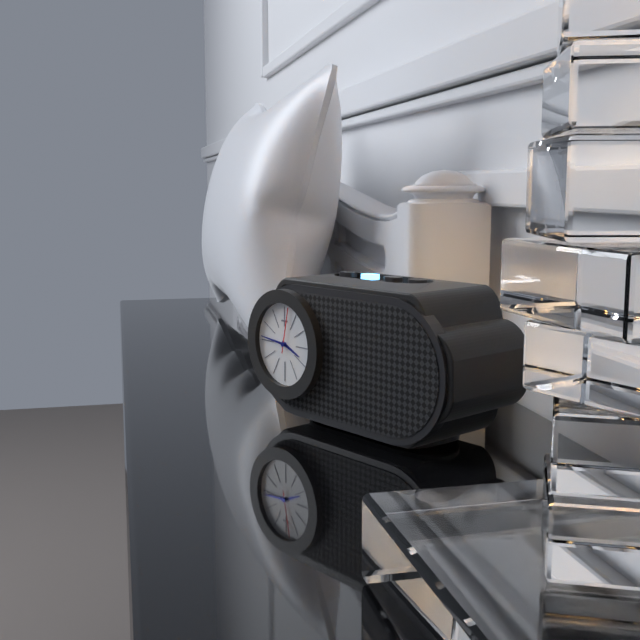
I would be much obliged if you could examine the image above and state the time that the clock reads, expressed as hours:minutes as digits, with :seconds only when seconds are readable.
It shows 3:46:02
